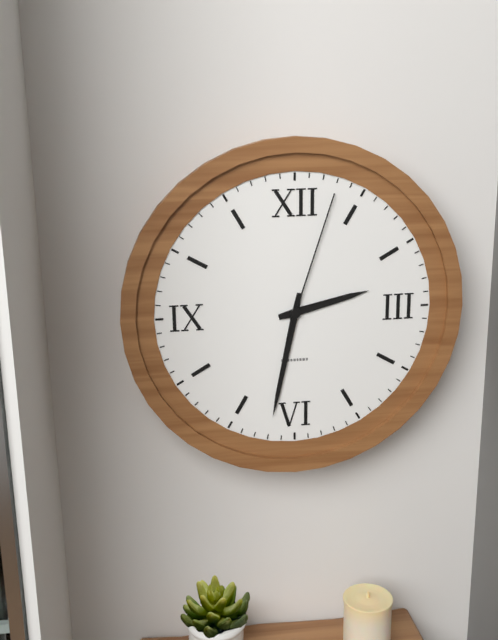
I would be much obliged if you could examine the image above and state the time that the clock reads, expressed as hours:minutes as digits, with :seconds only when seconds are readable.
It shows 2:32:03
